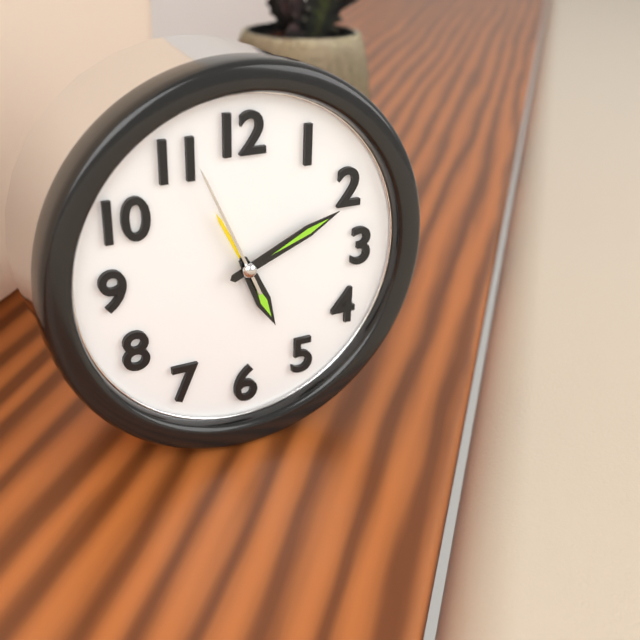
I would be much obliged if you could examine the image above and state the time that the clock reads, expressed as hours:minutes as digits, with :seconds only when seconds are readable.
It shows 5:11:56
